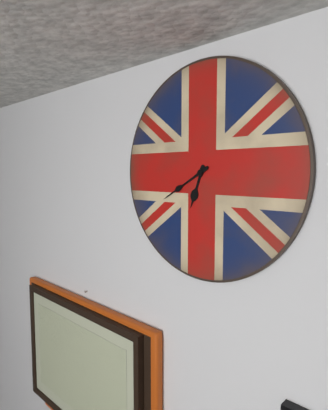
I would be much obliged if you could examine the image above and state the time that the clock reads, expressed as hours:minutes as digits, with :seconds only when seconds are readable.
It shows 6:40
